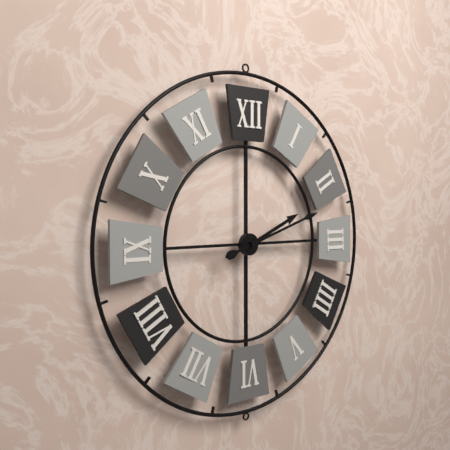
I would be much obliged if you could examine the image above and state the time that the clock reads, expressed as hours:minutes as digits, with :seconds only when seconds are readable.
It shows 2:12
